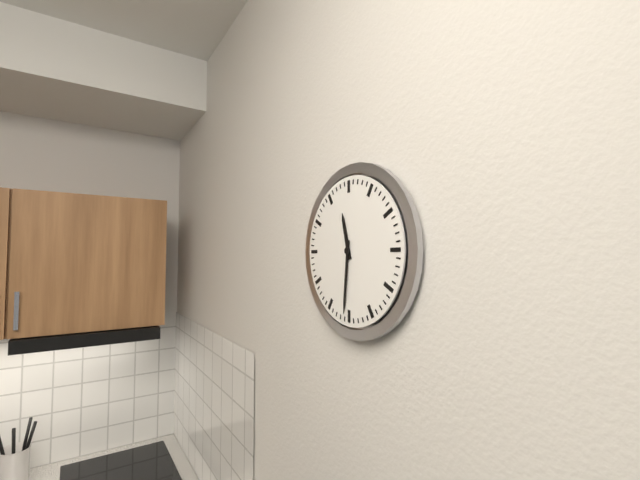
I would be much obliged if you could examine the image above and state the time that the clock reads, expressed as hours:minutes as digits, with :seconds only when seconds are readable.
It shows 11:31
